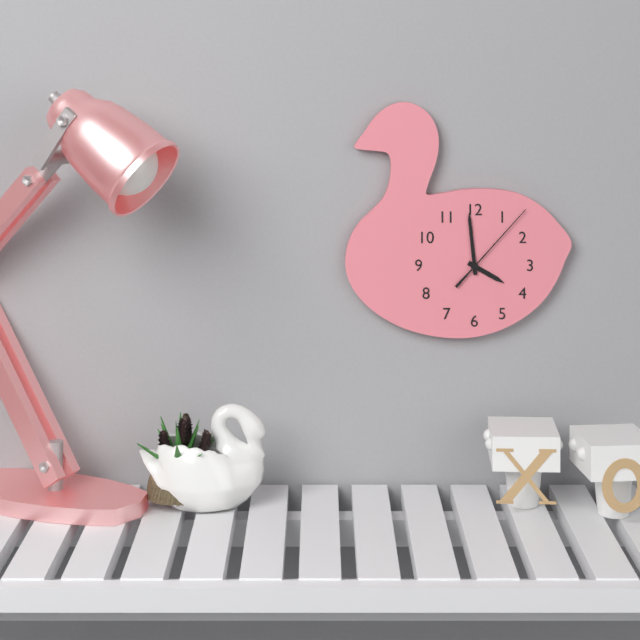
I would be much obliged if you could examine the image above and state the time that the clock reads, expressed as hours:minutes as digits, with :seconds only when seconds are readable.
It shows 3:59:07
